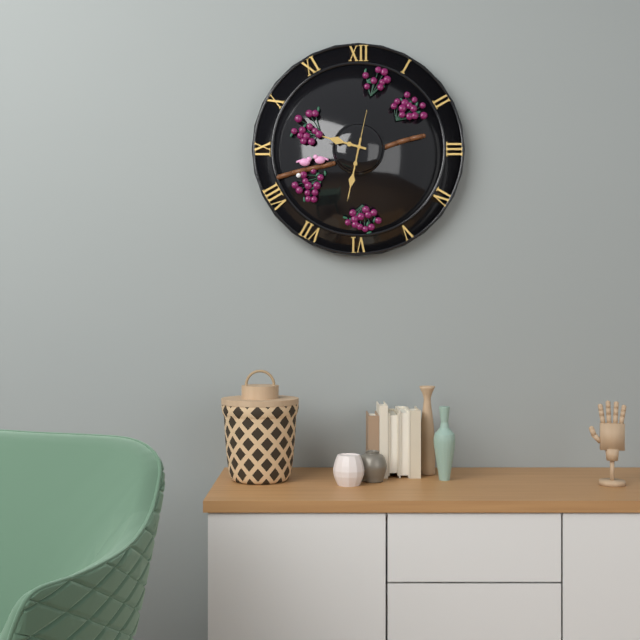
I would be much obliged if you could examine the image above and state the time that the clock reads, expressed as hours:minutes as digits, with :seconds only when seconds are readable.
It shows 9:32:02
